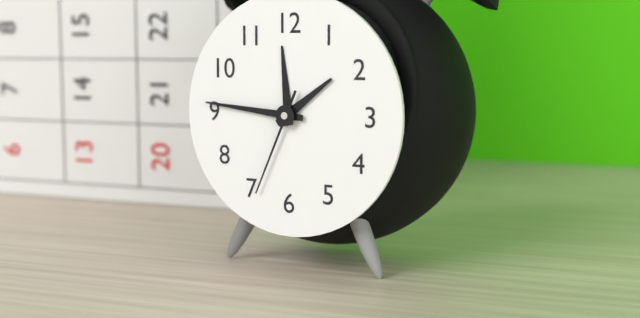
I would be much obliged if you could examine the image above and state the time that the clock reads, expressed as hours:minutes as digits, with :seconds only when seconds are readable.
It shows 1:46:34
